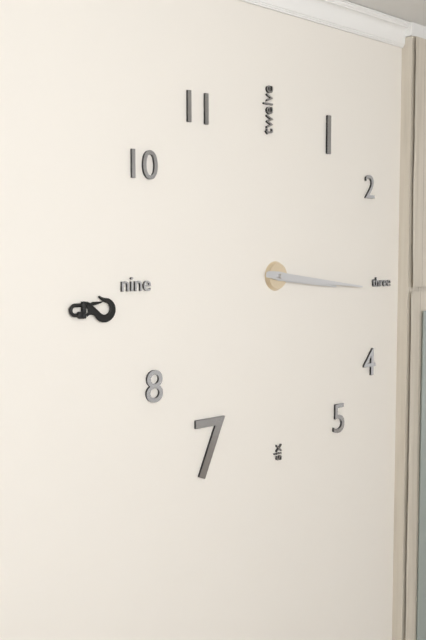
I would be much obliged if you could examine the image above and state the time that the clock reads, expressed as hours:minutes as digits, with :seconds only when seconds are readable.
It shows 3:16
